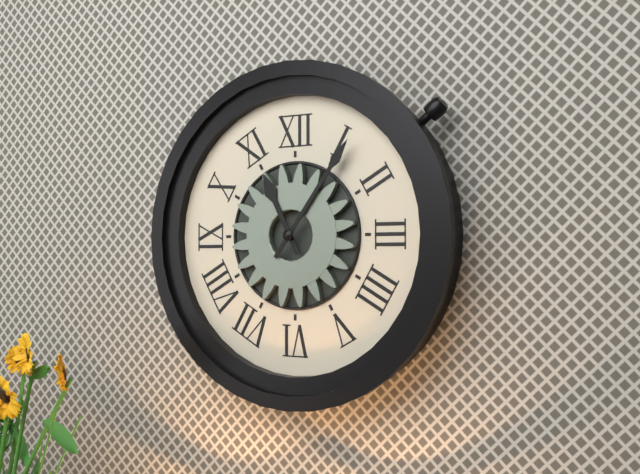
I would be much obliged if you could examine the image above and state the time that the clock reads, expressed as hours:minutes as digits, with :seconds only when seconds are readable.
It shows 11:06
